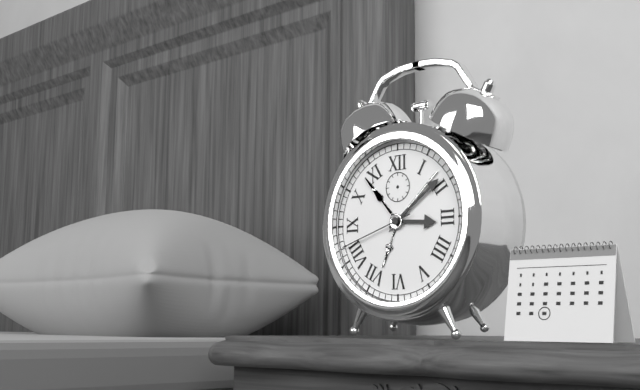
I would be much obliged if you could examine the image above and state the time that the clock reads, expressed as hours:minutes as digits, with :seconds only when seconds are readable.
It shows 3:09:42
